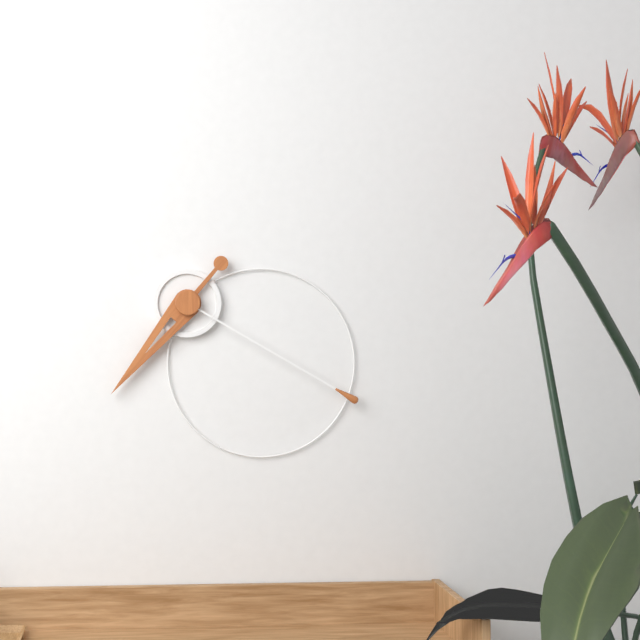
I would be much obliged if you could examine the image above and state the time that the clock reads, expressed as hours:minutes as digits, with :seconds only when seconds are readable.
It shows 7:20
